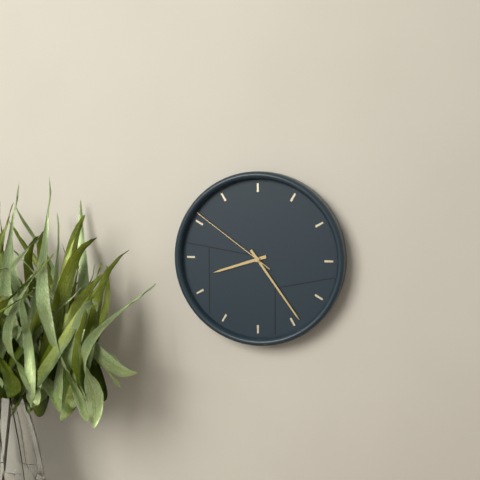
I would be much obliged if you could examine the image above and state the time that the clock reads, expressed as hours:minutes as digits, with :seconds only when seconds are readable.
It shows 8:24:51
